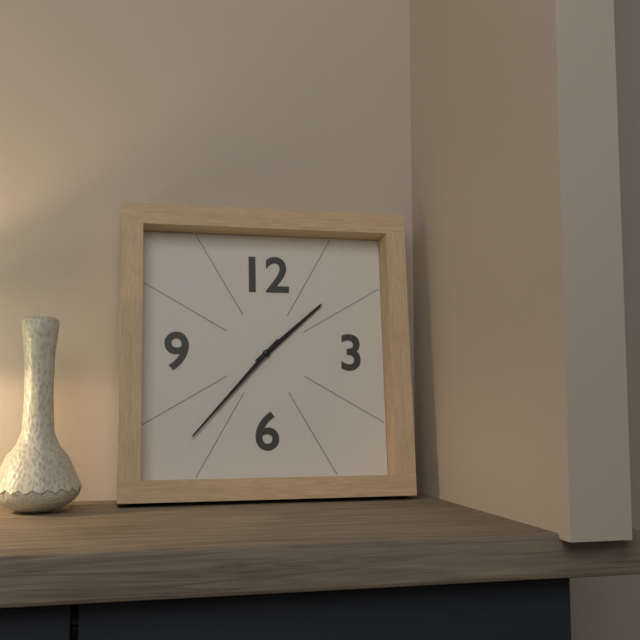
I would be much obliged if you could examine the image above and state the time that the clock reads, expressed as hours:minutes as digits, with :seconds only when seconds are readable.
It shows 1:37
